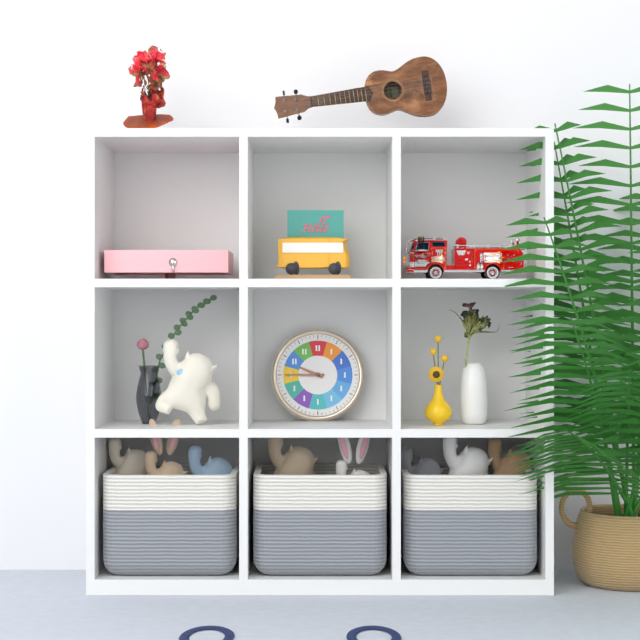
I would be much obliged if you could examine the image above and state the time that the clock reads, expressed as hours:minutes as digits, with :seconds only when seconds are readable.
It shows 9:45
